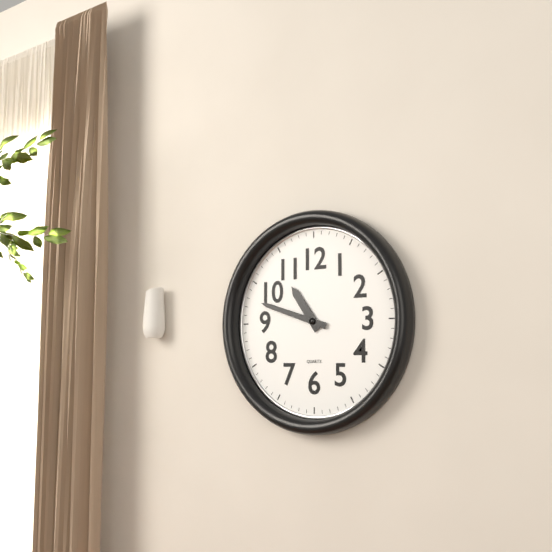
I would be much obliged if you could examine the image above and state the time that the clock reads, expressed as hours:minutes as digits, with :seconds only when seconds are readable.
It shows 10:48
